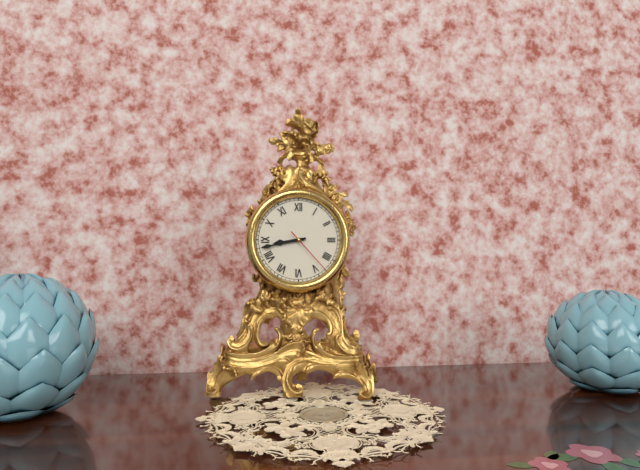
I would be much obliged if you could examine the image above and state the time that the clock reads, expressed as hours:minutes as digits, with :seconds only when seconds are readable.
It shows 8:43:23
